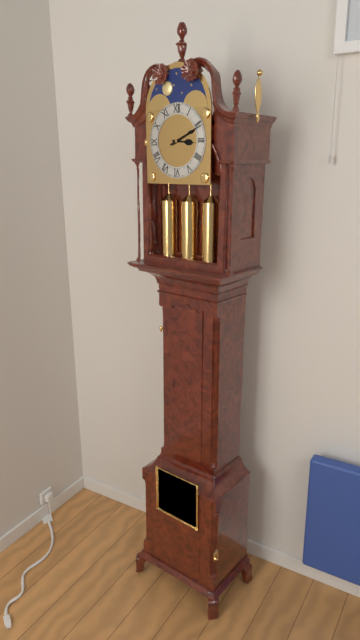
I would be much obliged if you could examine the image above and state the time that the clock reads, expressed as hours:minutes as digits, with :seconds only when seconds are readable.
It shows 3:11
